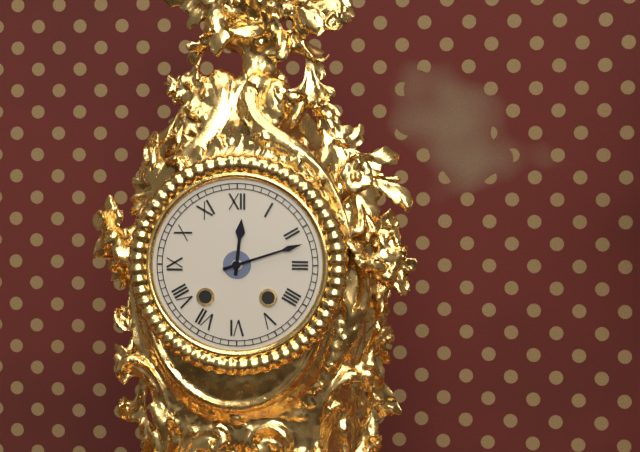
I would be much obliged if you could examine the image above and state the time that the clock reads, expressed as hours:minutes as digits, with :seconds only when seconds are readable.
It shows 12:12
